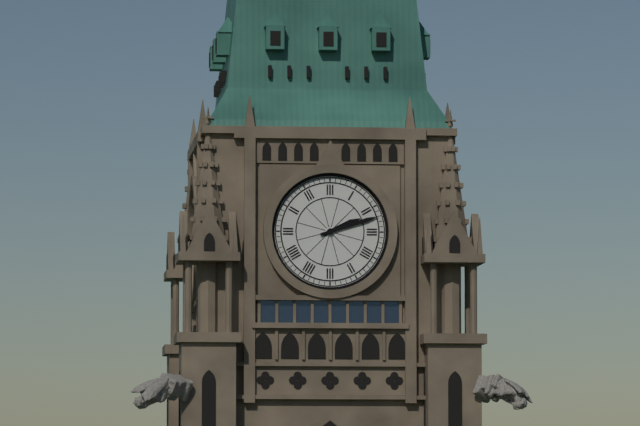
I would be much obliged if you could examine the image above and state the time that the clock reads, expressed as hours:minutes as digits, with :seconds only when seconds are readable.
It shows 2:12
